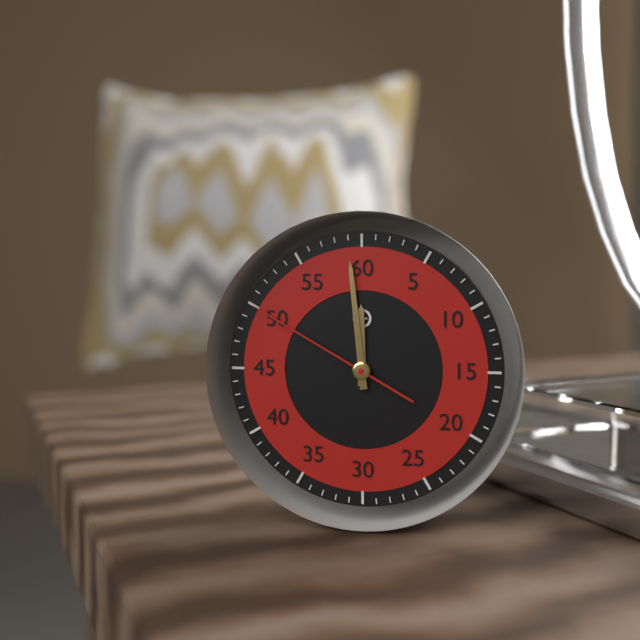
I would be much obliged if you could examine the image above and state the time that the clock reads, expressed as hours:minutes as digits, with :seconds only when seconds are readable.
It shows 11:59:50
